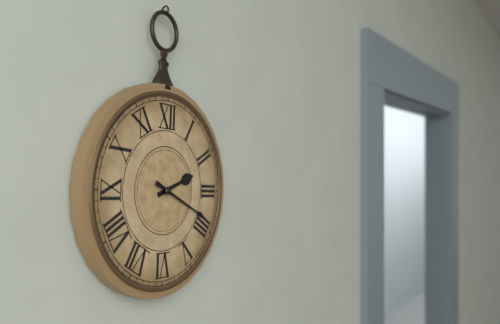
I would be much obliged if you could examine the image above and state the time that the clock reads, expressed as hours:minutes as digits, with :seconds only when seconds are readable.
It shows 2:19
